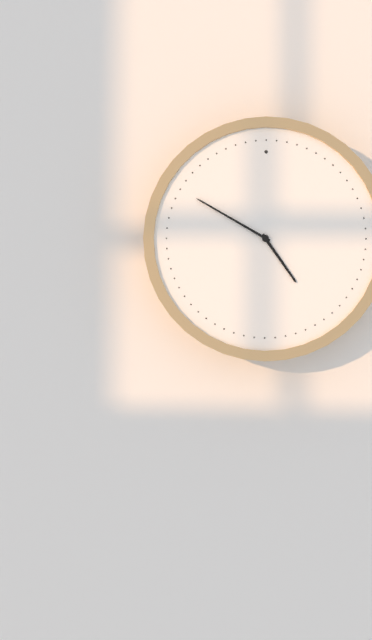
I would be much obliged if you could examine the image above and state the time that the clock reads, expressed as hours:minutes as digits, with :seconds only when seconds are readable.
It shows 4:50
